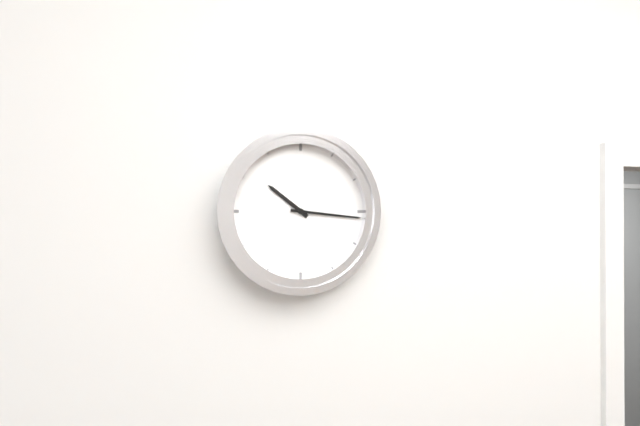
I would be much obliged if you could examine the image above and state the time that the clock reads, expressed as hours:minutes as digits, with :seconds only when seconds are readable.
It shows 10:16
